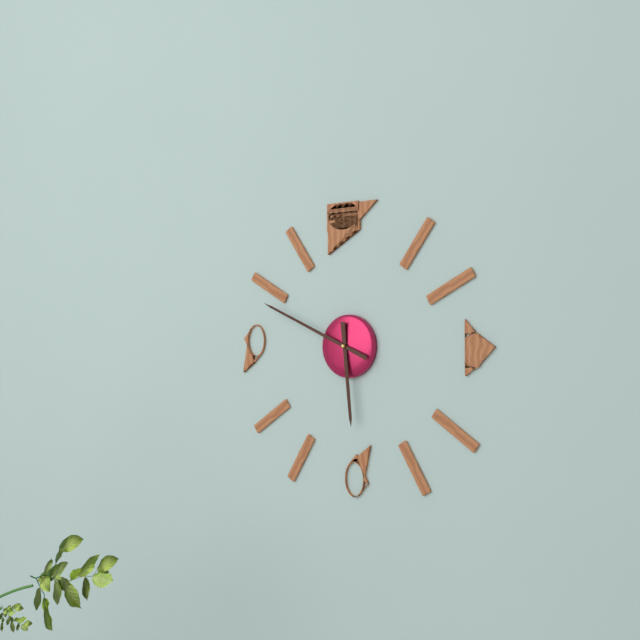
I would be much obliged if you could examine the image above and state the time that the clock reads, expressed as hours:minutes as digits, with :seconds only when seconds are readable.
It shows 5:49
